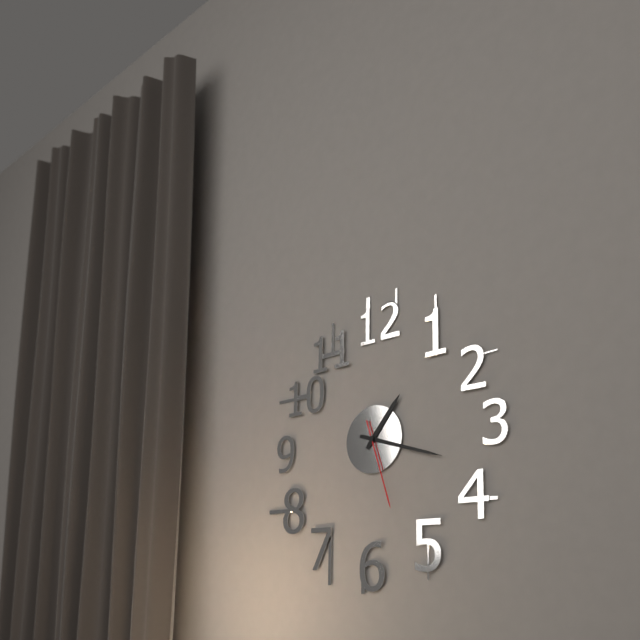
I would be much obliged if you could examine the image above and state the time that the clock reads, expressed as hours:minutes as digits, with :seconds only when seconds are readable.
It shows 1:18:27
